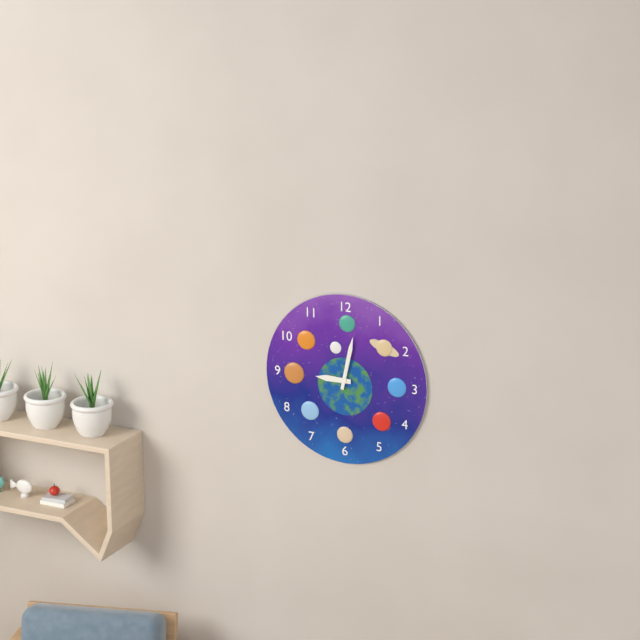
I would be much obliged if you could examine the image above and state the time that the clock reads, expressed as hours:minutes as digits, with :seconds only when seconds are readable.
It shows 9:02
